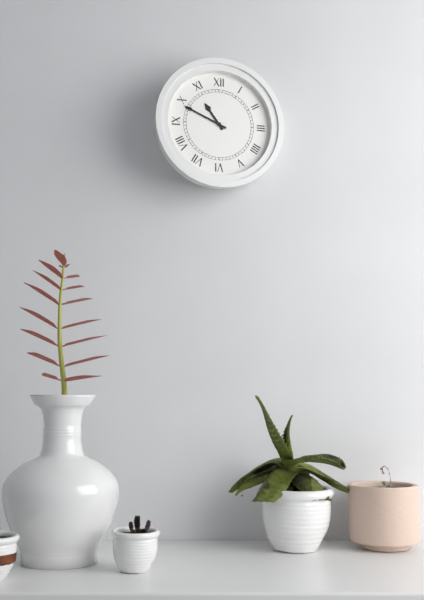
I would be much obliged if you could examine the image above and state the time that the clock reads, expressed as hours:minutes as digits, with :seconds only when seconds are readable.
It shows 10:49
